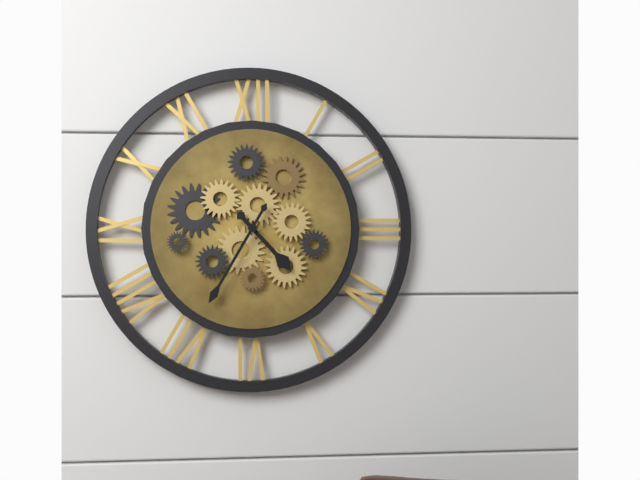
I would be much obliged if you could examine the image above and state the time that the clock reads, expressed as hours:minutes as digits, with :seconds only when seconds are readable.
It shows 4:35
